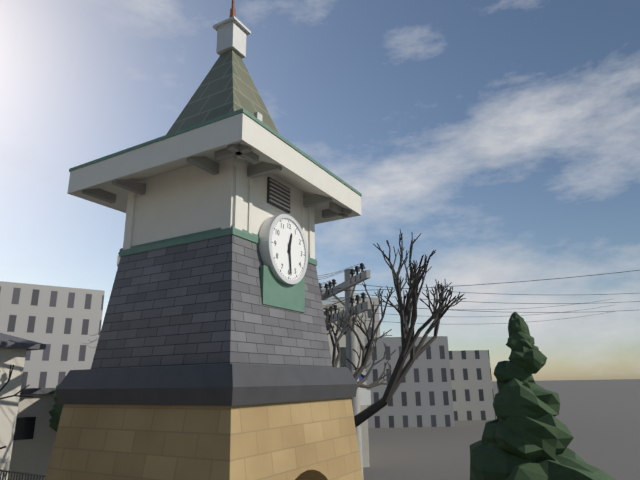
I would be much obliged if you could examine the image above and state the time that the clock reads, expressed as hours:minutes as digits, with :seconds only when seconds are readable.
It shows 12:29
